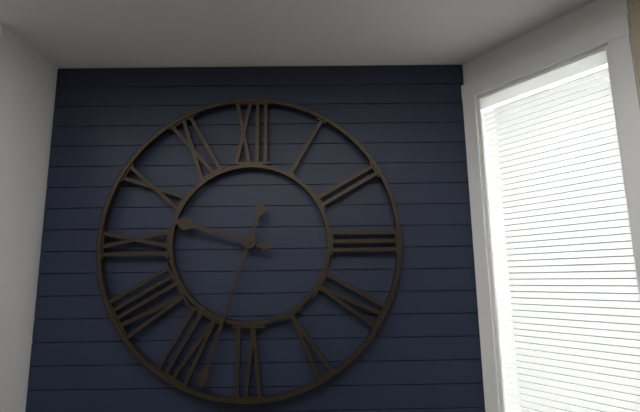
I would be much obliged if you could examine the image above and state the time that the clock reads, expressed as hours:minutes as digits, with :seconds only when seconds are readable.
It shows 9:33
